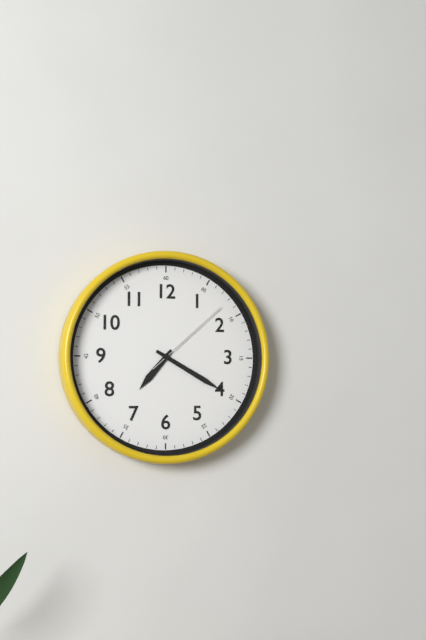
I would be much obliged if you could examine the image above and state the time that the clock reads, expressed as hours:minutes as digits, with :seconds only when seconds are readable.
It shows 7:20:08
